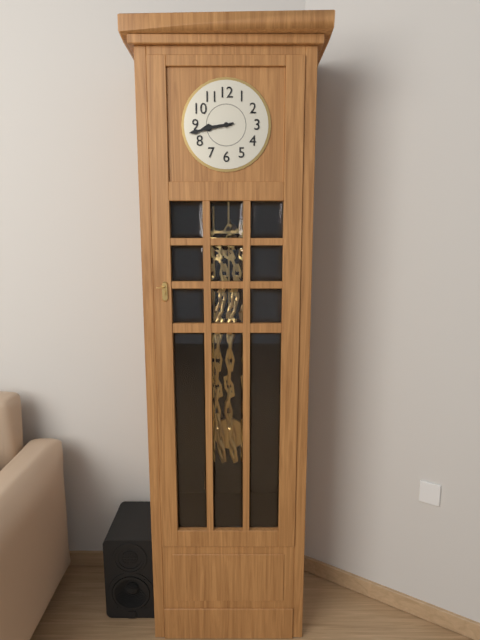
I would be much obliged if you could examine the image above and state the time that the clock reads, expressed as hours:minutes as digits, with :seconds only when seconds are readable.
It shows 8:43
